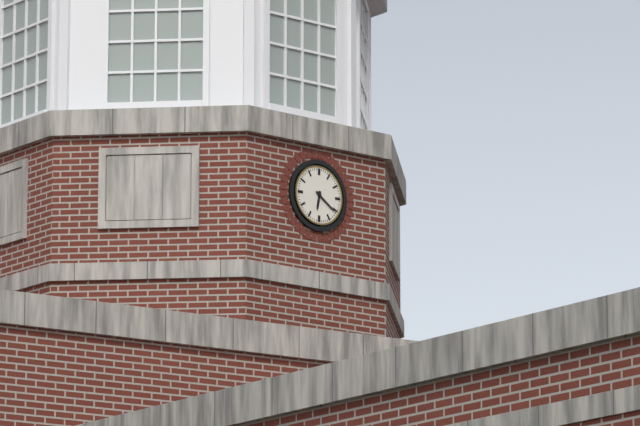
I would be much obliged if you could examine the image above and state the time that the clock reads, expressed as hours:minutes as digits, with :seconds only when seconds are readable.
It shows 6:21
